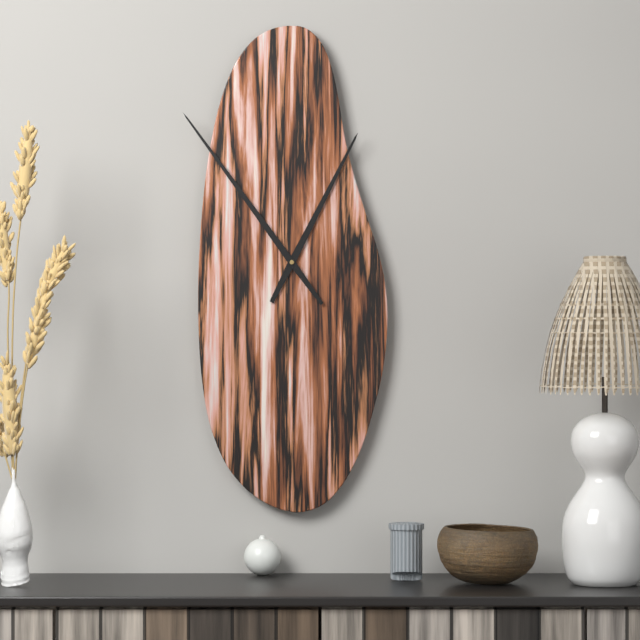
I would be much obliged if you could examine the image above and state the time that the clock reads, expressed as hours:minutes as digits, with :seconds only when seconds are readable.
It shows 12:54
